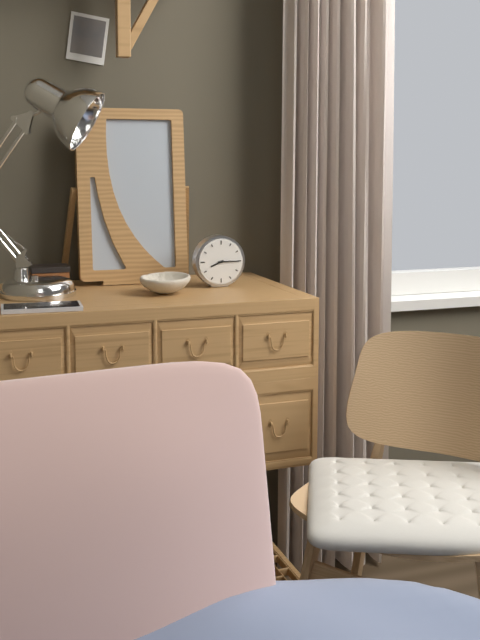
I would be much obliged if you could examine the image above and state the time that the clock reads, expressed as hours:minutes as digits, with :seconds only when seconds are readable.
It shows 8:15
